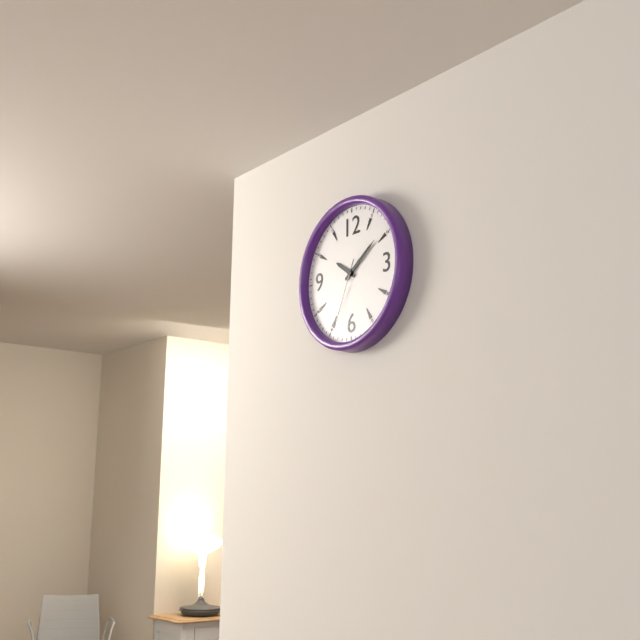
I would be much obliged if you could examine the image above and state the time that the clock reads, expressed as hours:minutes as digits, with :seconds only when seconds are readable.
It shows 10:09:34
